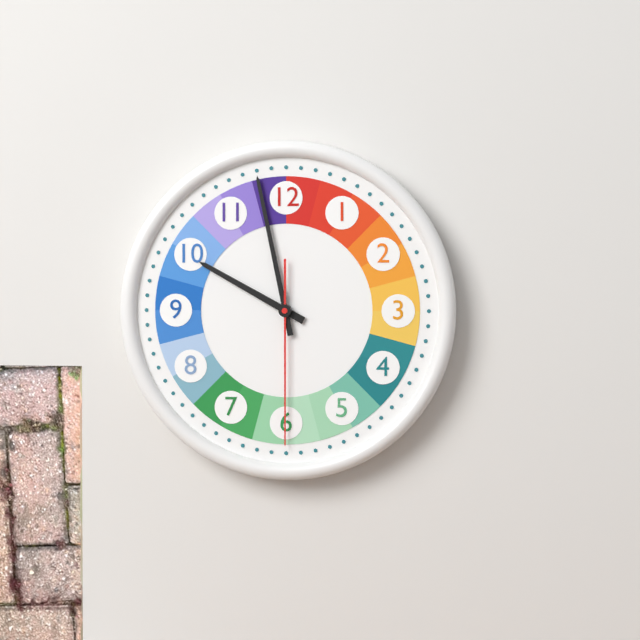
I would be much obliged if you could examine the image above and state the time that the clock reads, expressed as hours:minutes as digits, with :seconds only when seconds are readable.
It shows 9:58:30
